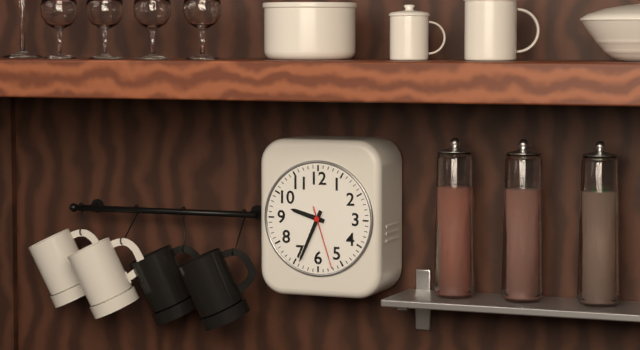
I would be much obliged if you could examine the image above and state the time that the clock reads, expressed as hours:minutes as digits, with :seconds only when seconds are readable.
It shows 9:34:27
